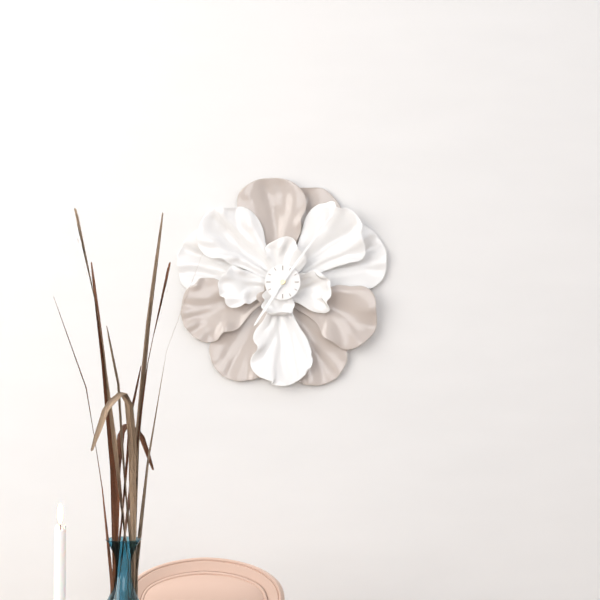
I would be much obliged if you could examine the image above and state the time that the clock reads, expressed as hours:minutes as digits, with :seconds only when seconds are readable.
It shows 7:06
